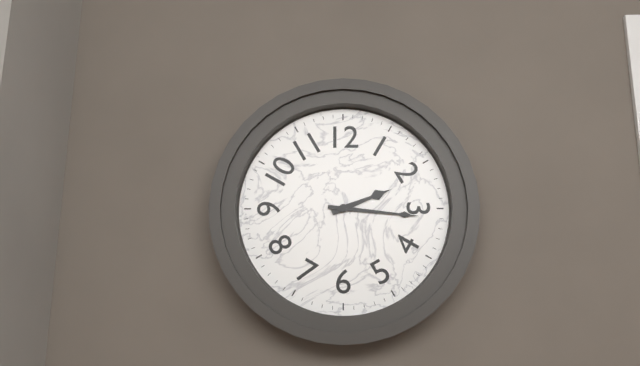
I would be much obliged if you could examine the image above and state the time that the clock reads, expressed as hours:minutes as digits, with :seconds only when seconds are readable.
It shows 2:16
